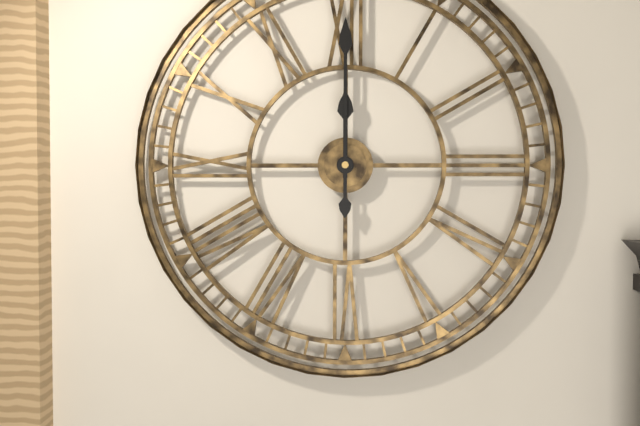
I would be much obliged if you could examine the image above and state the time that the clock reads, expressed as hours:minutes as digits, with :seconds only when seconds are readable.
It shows 12:00
